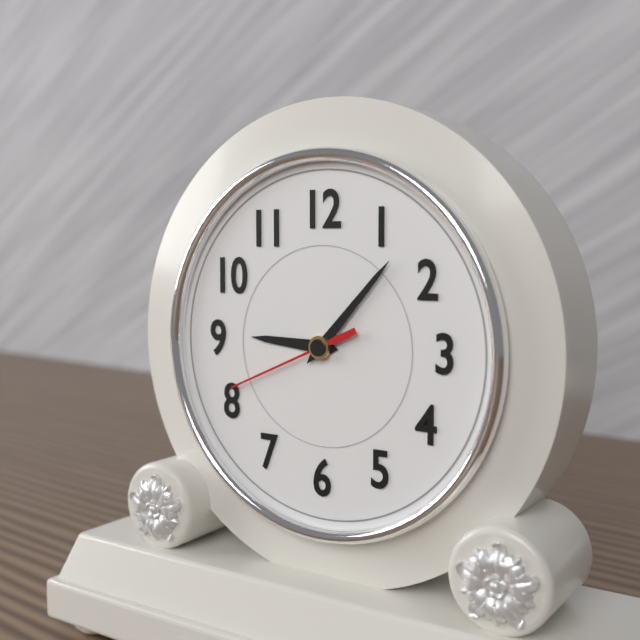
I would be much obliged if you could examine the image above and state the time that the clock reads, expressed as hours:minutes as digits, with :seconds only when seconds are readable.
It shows 9:07:41
